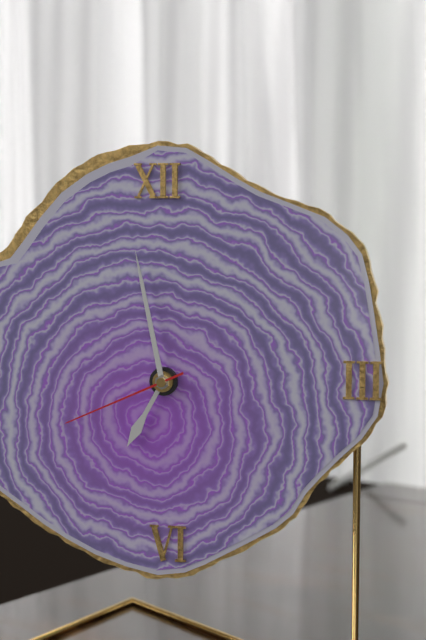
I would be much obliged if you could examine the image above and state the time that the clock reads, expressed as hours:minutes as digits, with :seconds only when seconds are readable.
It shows 6:58:41
